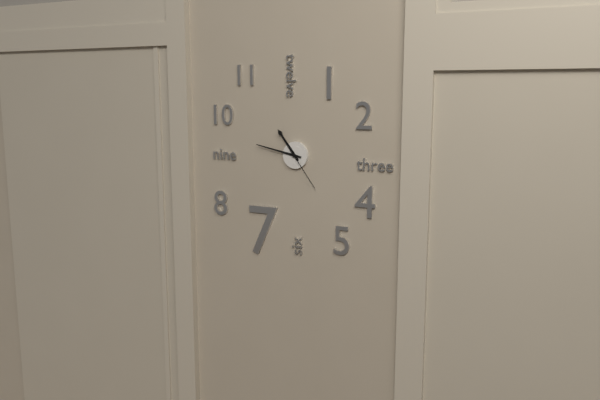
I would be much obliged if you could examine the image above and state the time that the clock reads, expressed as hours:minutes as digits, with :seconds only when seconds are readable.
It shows 10:47
